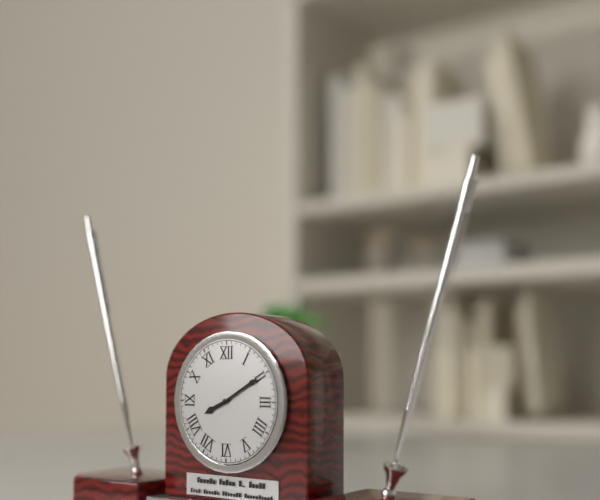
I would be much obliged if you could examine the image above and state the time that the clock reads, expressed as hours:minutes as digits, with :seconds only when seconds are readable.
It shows 8:10
